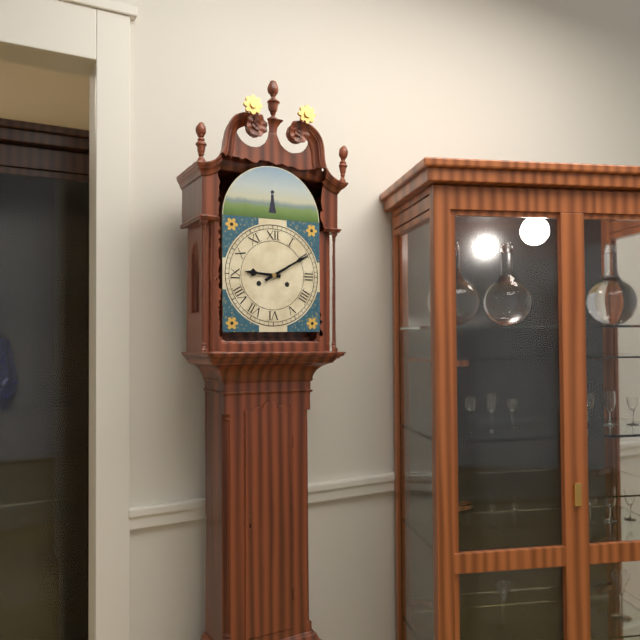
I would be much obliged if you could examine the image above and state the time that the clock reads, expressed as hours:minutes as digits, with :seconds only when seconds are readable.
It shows 9:10
